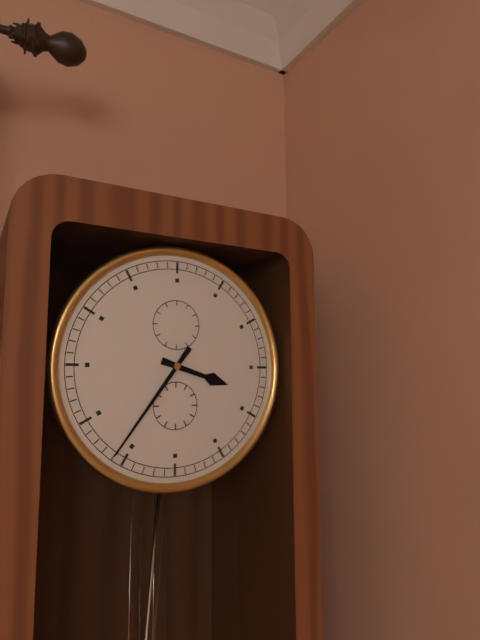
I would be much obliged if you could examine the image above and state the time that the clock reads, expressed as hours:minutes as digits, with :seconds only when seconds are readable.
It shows 3:36
